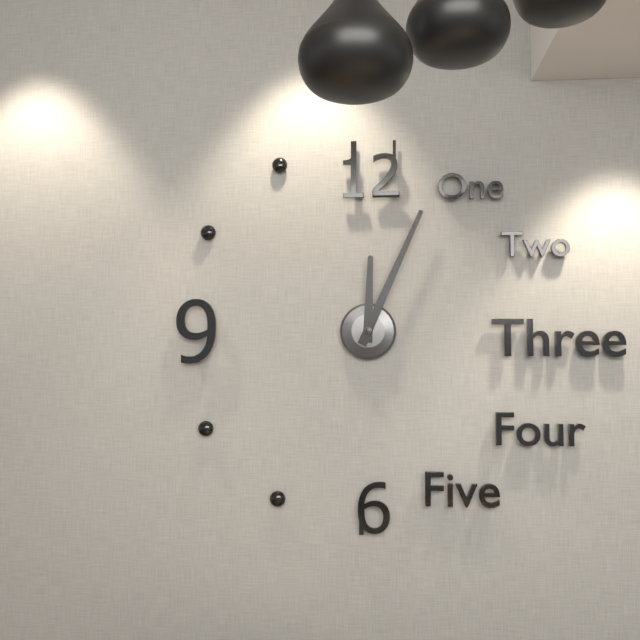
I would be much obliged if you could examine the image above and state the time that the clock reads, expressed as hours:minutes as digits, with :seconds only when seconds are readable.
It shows 12:04
